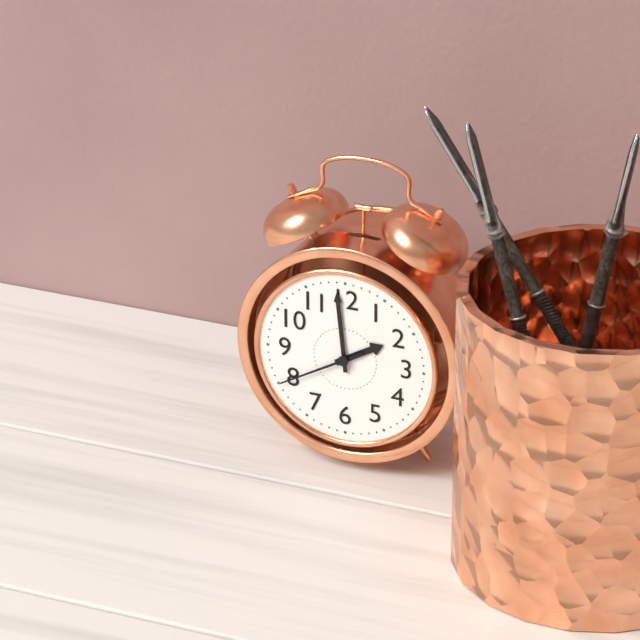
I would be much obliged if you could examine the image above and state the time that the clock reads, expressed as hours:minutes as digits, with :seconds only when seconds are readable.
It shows 1:59:40
